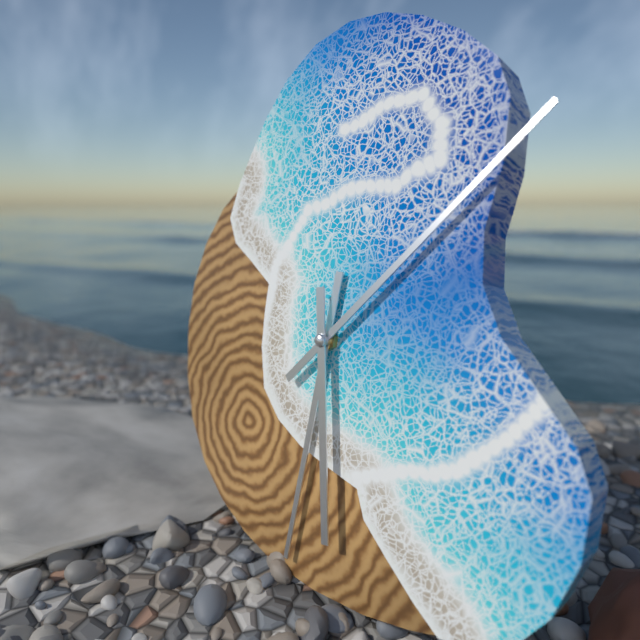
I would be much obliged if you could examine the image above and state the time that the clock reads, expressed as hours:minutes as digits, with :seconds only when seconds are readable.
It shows 6:07:28
